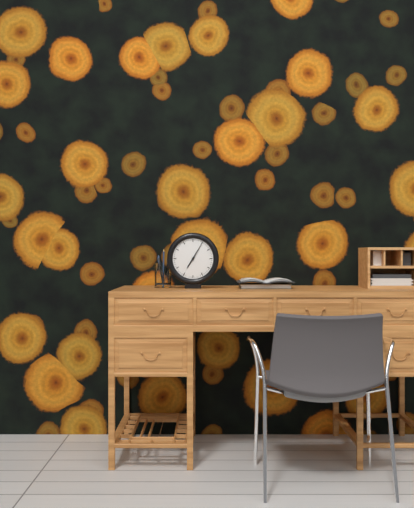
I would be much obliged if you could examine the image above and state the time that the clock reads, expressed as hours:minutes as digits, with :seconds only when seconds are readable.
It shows 7:05
